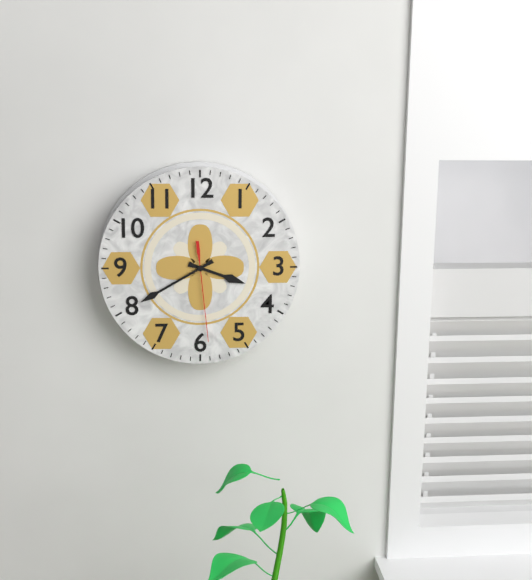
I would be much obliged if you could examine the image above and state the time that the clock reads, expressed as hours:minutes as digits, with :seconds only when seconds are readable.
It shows 3:40:29
